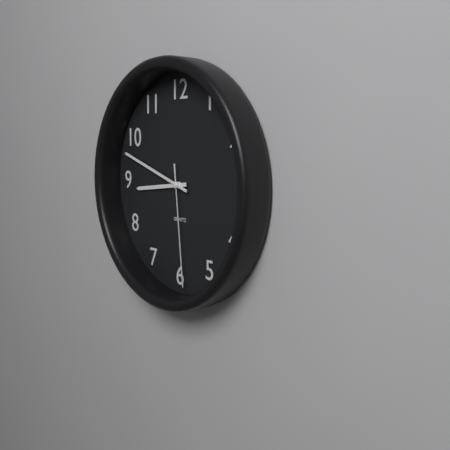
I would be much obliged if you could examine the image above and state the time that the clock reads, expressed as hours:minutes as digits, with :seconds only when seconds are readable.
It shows 8:48:29
